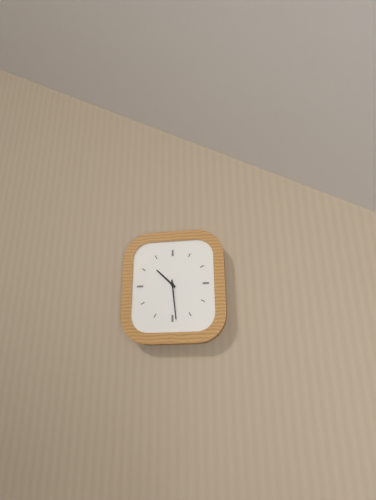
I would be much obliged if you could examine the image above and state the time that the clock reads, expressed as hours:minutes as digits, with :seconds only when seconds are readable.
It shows 10:29
